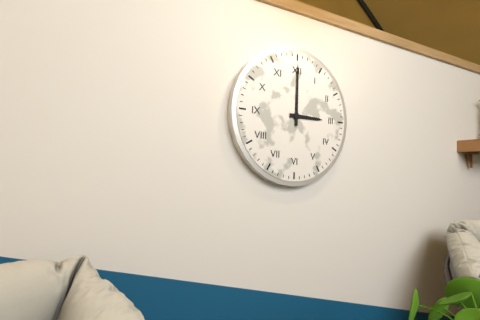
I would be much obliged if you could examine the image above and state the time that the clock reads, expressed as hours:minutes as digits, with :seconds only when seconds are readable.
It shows 3:00
